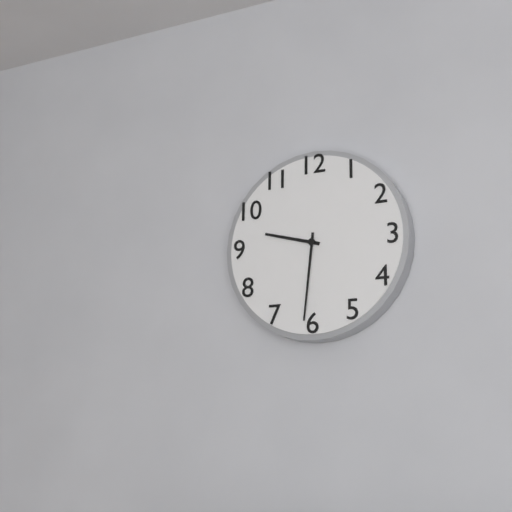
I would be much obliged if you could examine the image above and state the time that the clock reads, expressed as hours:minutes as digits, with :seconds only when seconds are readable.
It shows 9:31
